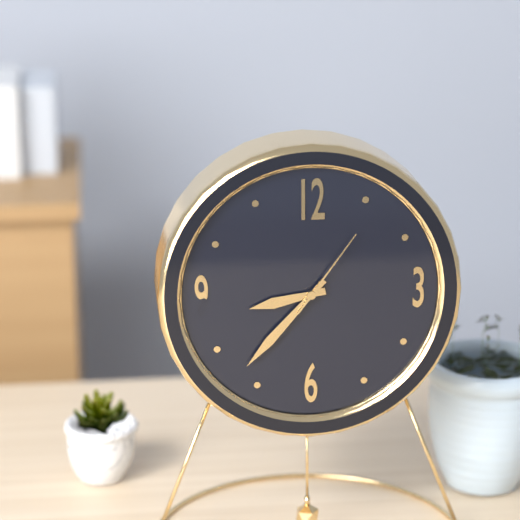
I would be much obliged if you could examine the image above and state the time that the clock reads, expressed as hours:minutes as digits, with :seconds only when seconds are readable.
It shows 8:37:06
